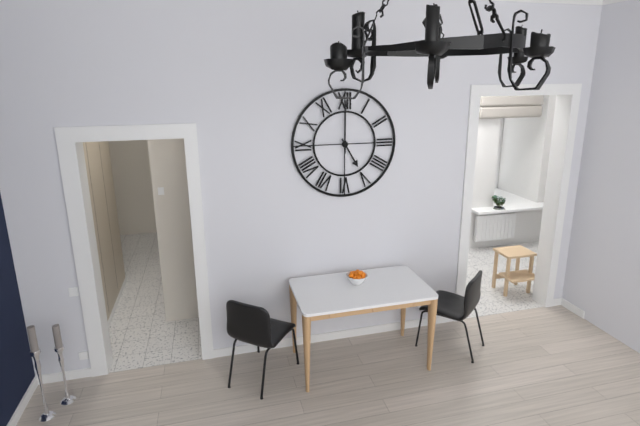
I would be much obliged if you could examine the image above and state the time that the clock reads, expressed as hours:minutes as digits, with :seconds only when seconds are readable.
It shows 5:00
